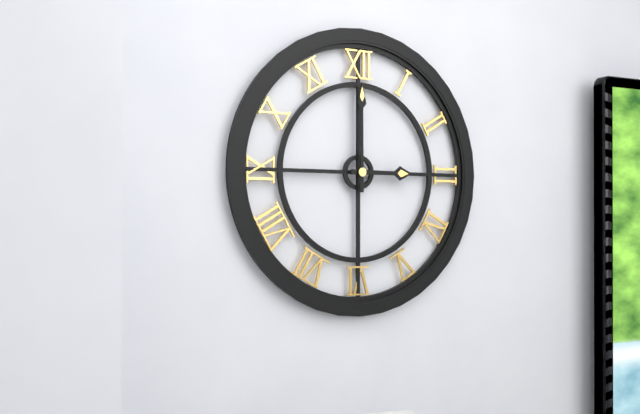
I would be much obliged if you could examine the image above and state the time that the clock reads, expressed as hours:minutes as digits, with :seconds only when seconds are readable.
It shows 3:00
